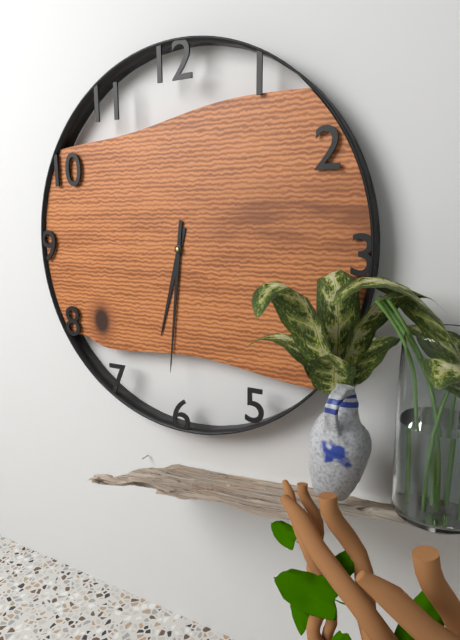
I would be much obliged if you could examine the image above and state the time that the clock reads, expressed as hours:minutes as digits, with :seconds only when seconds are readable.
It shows 6:31
